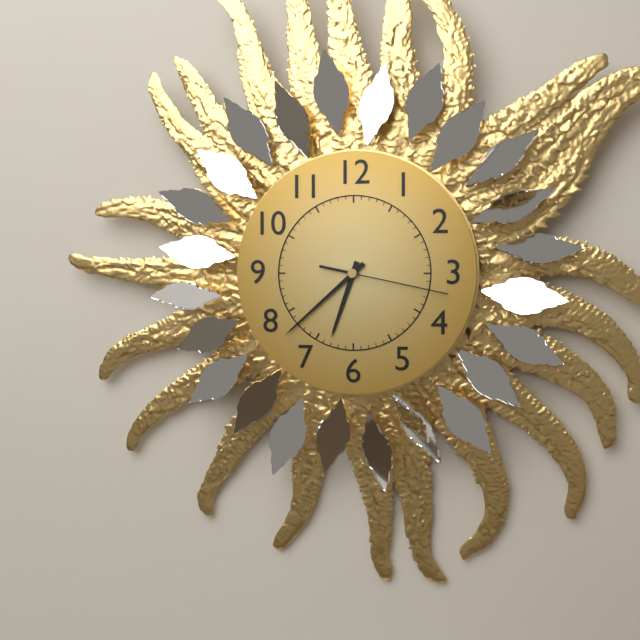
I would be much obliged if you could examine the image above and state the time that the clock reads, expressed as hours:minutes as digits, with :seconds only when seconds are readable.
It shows 6:38:17
